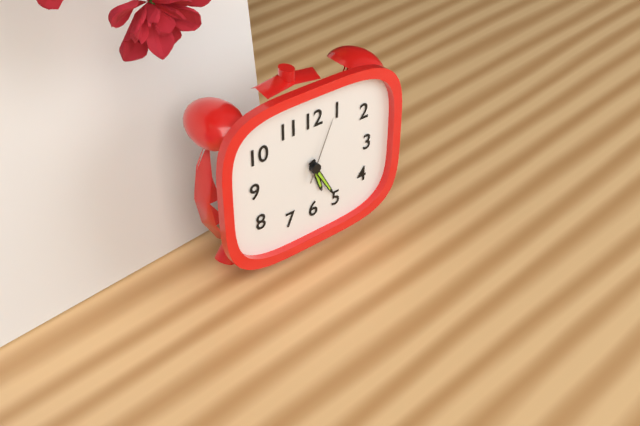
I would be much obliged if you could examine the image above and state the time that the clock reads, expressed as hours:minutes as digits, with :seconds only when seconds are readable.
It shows 5:25:04
